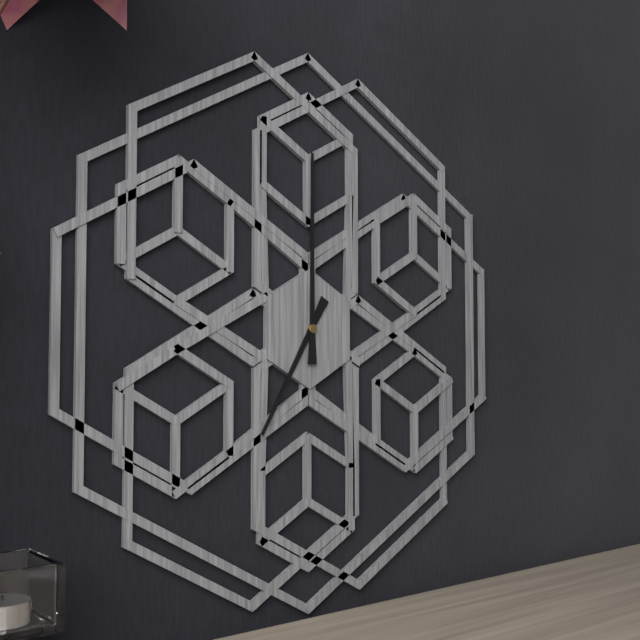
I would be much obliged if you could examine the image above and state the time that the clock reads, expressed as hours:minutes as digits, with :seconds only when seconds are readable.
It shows 7:00
